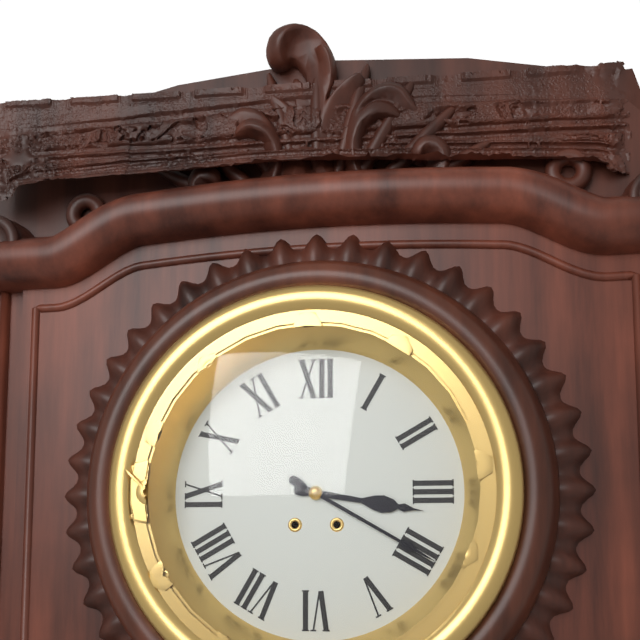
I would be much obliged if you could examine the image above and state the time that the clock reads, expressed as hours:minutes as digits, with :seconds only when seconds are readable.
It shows 3:20
